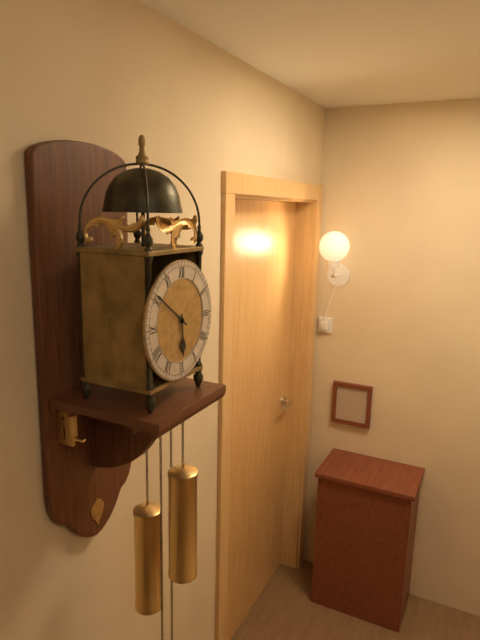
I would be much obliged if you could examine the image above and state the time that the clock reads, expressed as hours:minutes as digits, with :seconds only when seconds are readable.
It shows 5:51
